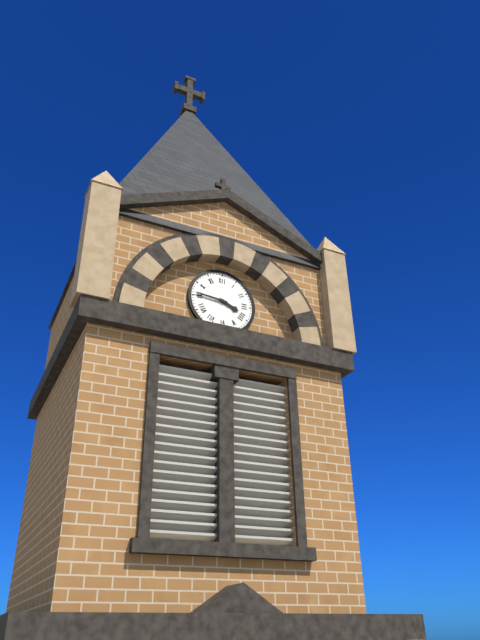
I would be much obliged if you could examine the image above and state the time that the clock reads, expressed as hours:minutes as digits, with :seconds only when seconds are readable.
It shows 3:46
